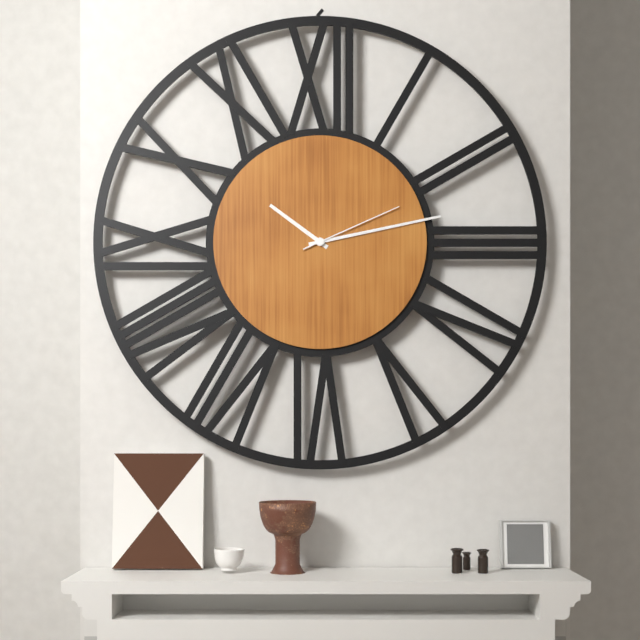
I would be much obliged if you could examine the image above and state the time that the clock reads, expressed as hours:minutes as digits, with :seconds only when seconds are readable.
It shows 10:13:11
